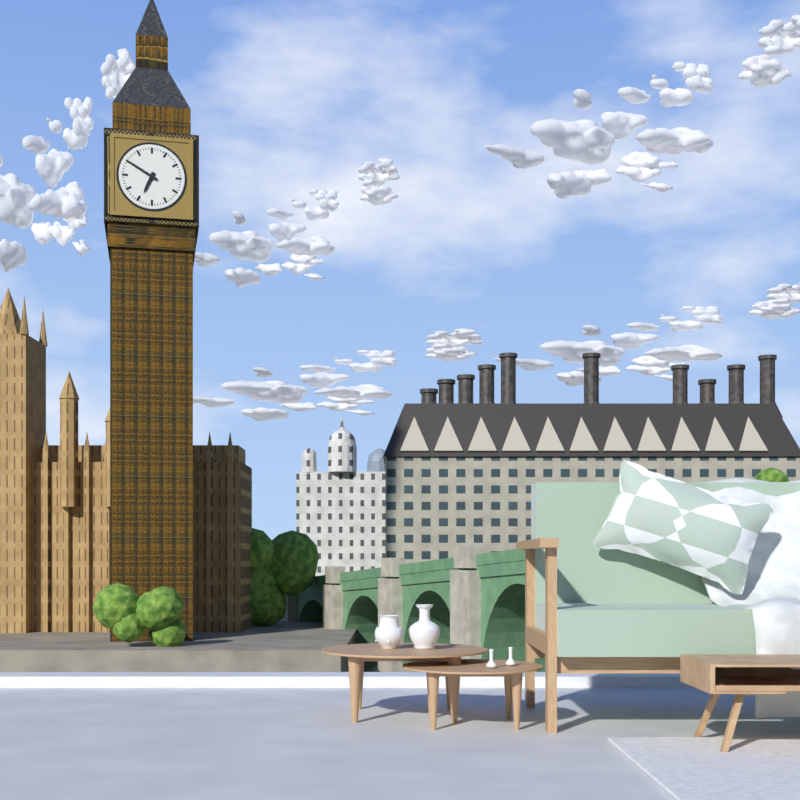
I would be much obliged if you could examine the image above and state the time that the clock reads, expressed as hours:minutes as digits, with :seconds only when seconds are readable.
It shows 6:50
